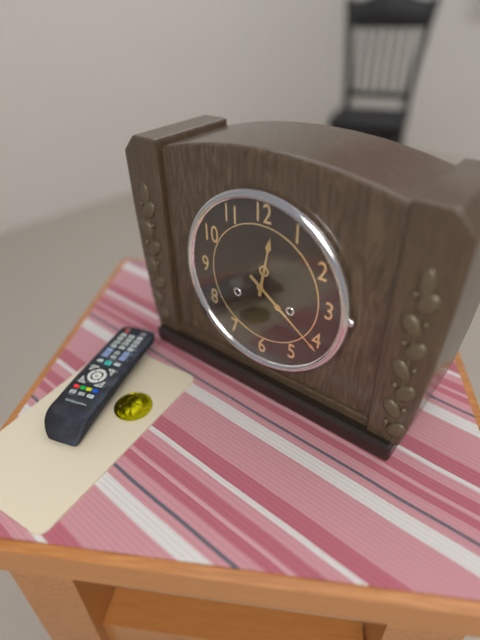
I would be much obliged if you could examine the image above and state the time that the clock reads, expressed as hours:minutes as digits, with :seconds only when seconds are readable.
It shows 12:21
